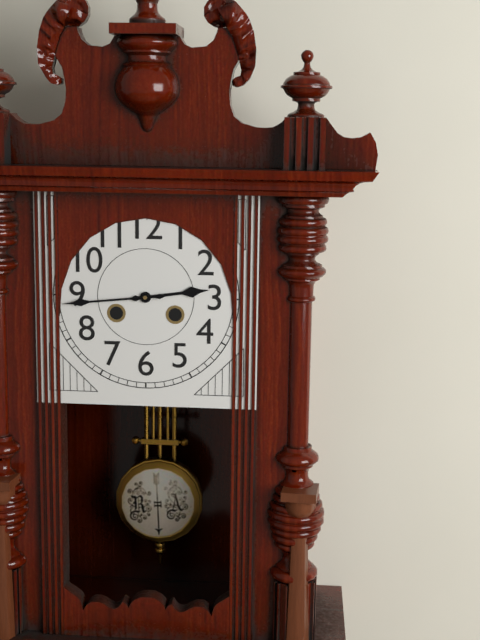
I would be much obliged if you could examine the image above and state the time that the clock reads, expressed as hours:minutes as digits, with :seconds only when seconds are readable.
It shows 2:44
